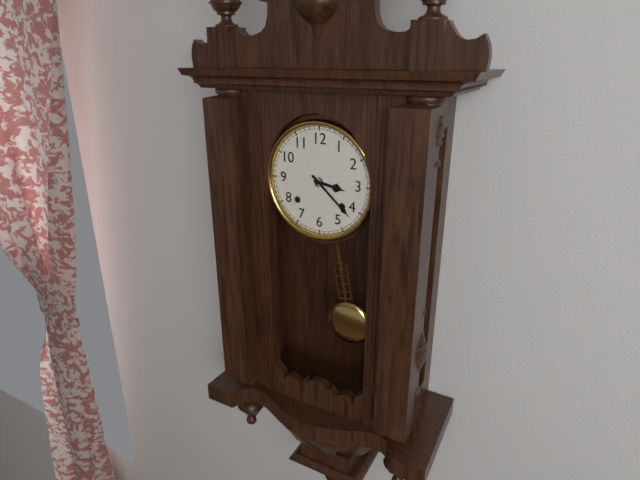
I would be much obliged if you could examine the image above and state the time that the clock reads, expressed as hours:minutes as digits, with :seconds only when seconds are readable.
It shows 3:22
